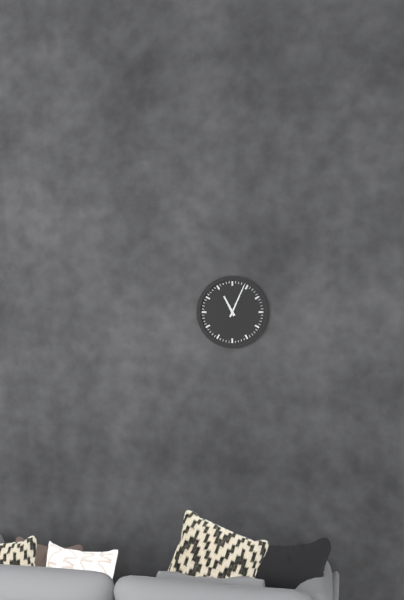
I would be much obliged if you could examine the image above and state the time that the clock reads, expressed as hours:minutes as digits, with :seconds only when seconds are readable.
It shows 11:04
